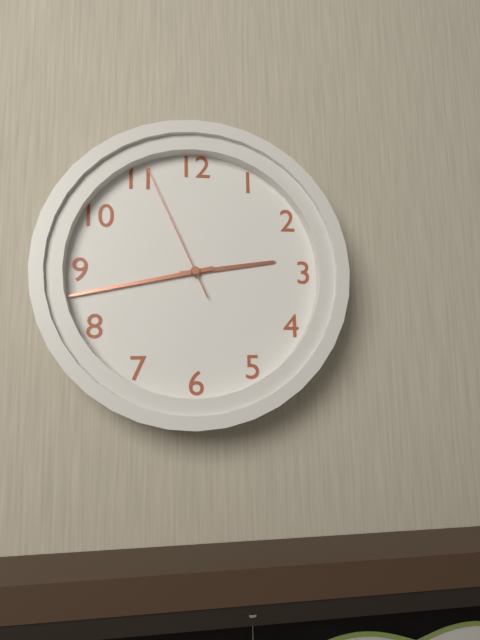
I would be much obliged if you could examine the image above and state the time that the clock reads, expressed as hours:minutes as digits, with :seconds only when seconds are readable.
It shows 2:43:56
